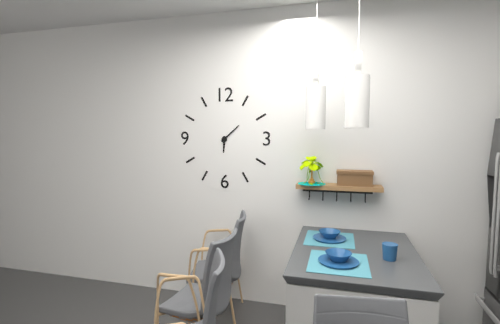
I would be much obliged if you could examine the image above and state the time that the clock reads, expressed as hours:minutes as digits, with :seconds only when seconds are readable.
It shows 6:08
